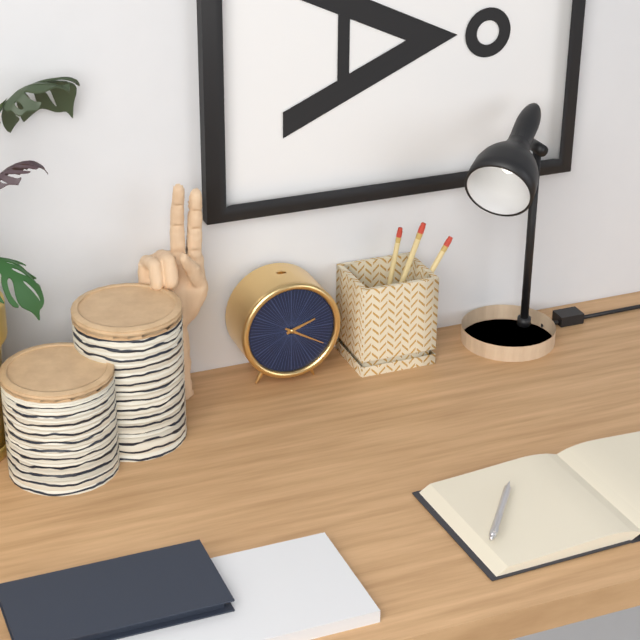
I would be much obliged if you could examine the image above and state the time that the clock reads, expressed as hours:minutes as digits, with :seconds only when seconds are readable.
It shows 2:20
